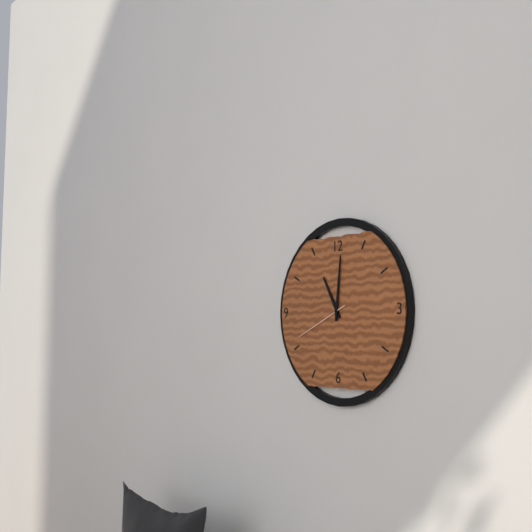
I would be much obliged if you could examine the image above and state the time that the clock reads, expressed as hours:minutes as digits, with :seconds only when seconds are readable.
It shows 11:01:41
